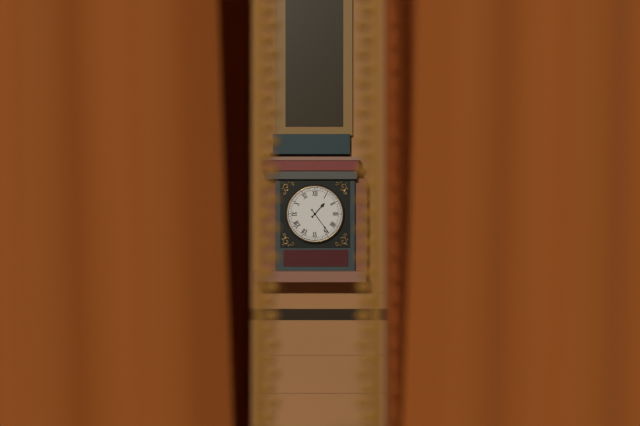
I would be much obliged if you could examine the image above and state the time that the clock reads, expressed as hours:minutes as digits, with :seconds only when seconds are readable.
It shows 1:24
